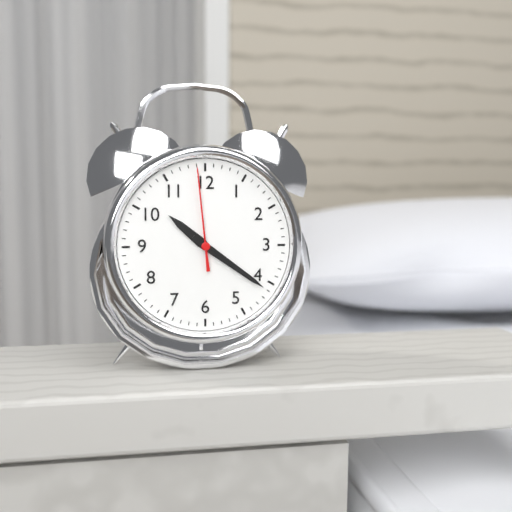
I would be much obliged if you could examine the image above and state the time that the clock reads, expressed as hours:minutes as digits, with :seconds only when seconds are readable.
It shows 10:21:59
